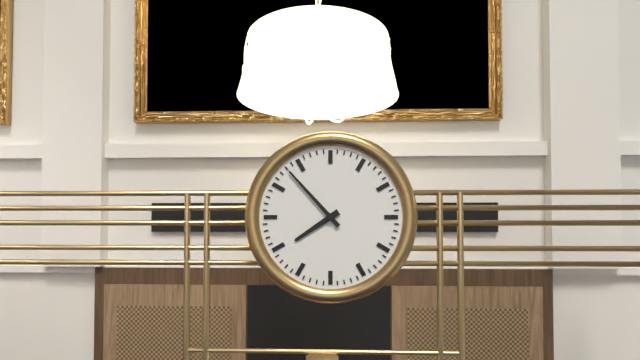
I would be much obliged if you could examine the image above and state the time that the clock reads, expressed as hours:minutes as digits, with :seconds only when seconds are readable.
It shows 7:53
